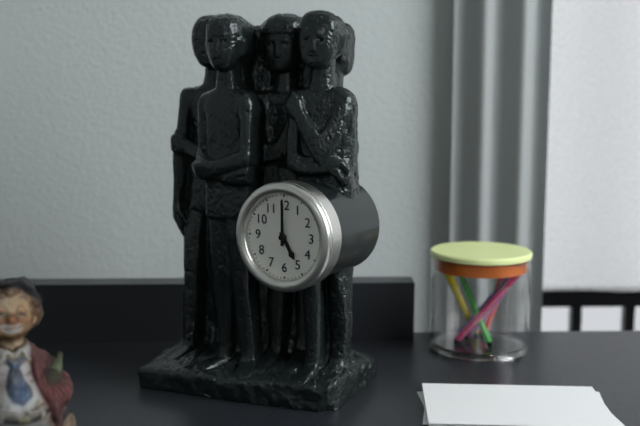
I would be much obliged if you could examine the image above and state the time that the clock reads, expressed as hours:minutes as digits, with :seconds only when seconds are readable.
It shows 5:00
